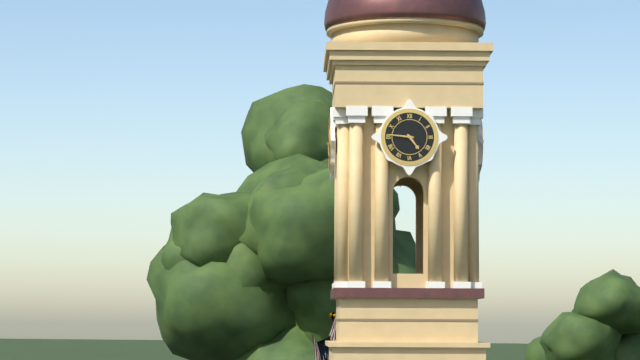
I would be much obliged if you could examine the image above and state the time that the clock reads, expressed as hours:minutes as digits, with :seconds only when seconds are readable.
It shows 4:46
